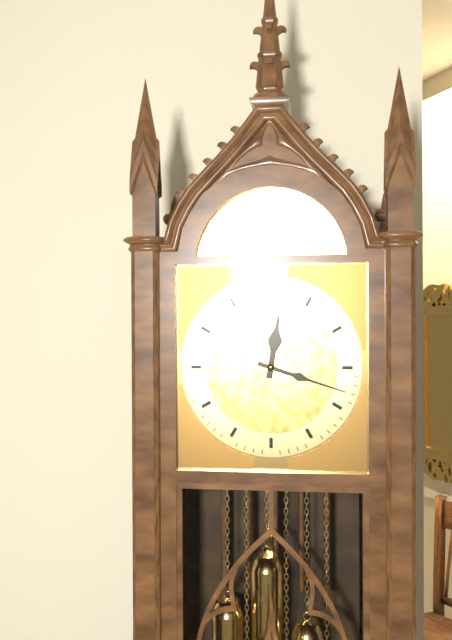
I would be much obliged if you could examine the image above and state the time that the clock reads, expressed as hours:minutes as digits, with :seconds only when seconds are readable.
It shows 12:18
